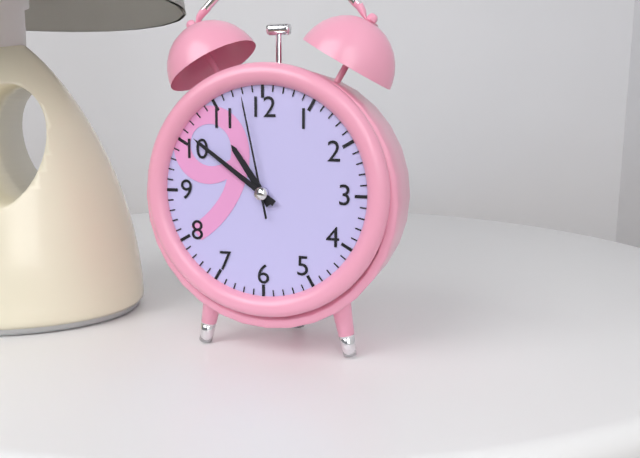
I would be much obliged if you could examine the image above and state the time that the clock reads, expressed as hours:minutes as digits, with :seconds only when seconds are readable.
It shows 10:51:58
